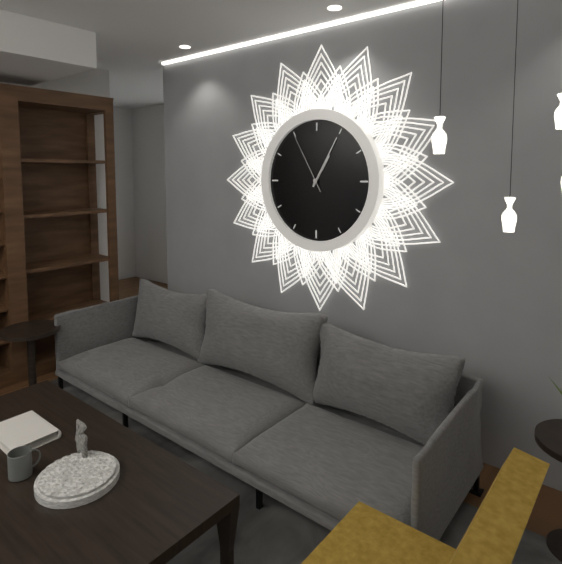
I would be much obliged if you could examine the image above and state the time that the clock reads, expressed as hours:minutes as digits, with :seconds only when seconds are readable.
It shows 1:05:55
